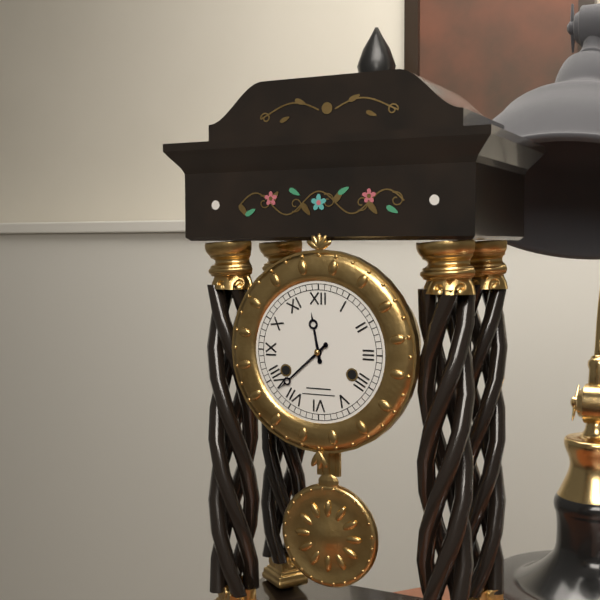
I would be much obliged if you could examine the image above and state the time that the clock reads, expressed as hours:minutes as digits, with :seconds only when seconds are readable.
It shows 11:38
